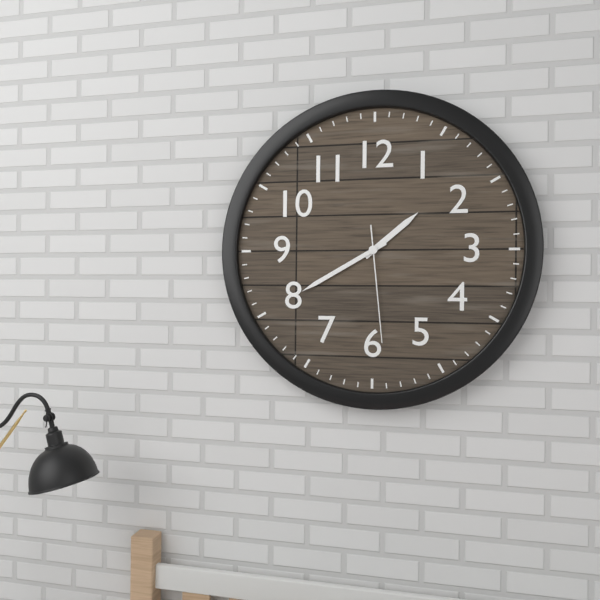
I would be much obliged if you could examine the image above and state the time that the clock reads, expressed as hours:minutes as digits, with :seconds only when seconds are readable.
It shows 1:40:29
